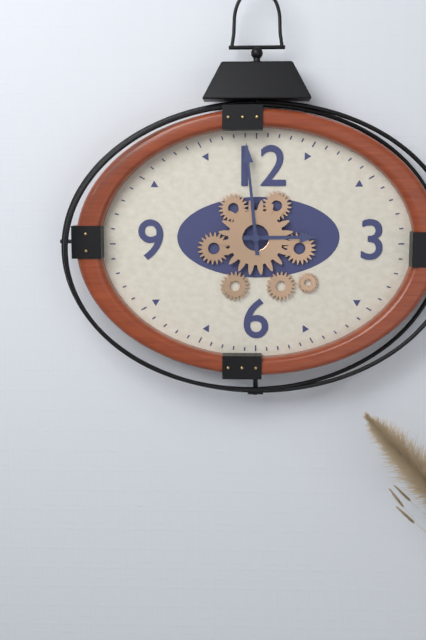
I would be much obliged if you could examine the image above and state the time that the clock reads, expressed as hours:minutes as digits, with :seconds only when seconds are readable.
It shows 2:59
